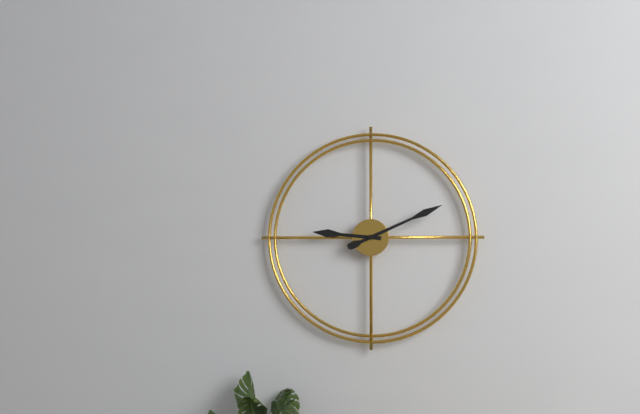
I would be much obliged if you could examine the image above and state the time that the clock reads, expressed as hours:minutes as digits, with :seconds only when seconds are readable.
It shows 9:11
